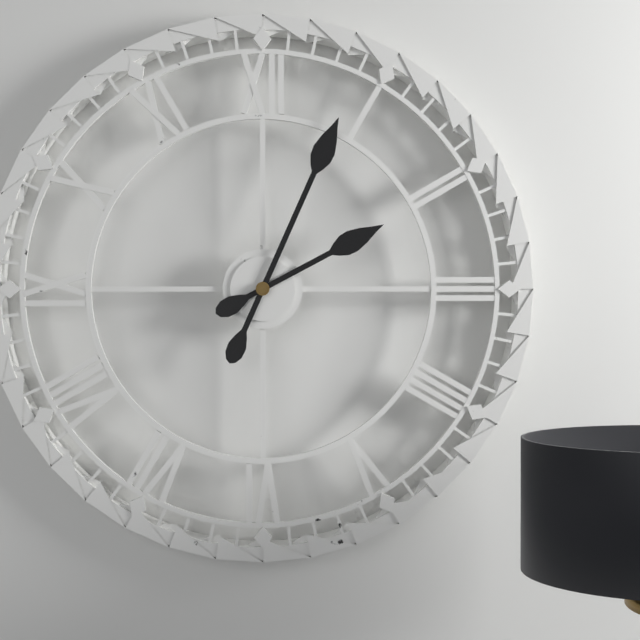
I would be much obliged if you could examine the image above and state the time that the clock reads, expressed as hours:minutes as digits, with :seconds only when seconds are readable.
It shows 2:04
